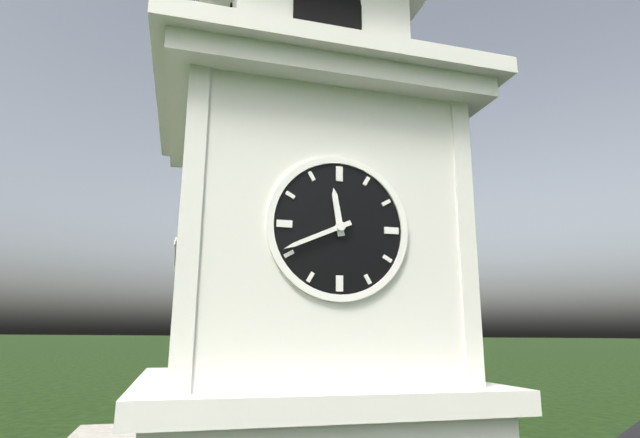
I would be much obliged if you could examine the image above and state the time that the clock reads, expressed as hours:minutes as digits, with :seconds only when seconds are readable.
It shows 11:41
